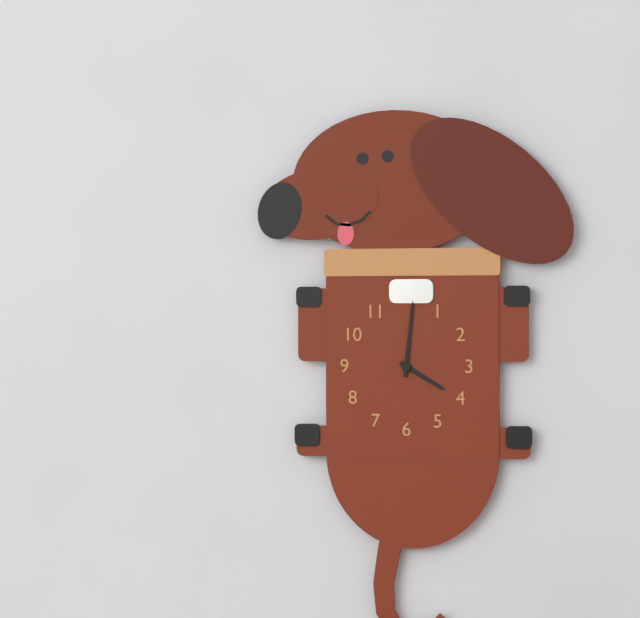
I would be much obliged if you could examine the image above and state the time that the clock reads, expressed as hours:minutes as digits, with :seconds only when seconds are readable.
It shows 4:01
